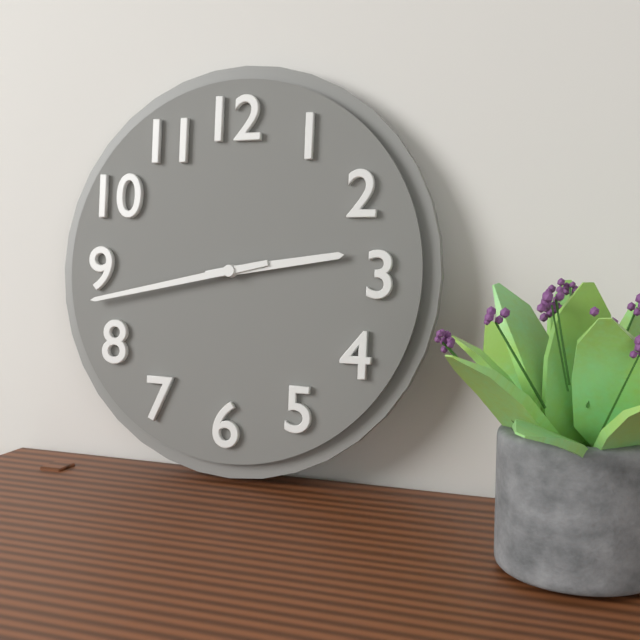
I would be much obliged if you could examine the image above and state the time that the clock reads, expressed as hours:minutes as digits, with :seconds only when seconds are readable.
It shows 2:43
